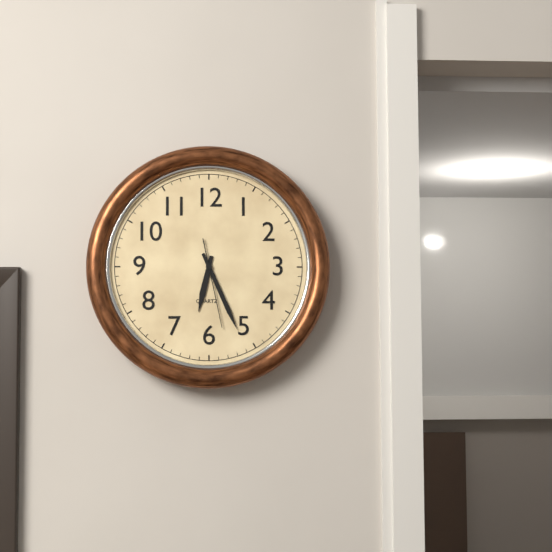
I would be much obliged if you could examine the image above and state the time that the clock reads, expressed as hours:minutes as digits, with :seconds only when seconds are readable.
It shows 6:26:28
